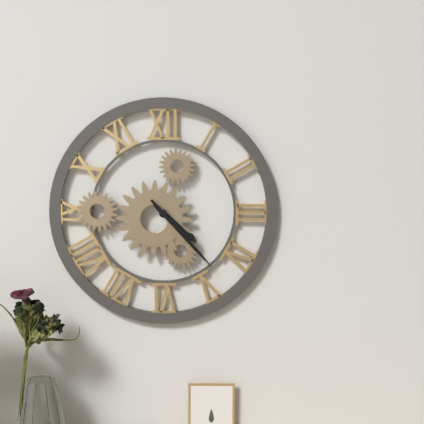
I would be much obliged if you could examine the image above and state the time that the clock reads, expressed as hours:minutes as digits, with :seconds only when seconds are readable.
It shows 4:23
